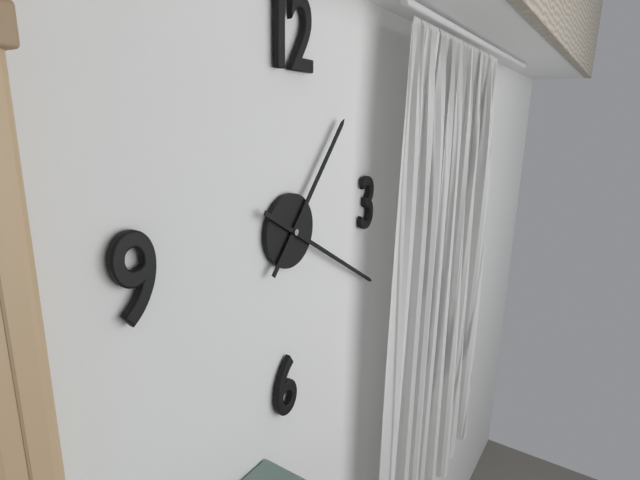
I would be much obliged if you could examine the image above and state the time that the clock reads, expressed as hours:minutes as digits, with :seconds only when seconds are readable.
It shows 1:20
